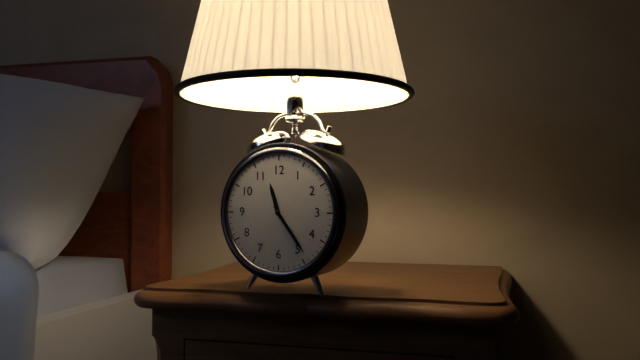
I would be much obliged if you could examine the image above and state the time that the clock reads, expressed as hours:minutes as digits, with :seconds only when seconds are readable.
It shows 11:24
